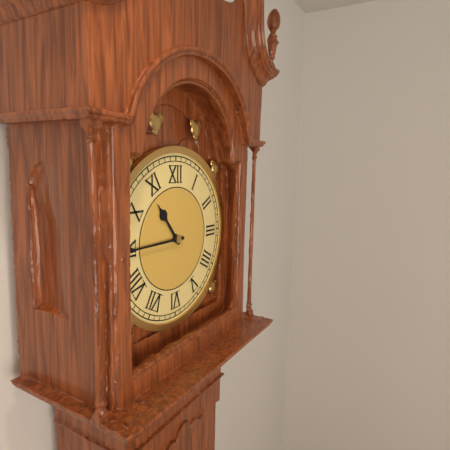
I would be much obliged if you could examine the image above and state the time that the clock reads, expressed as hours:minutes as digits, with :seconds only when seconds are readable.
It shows 10:45
